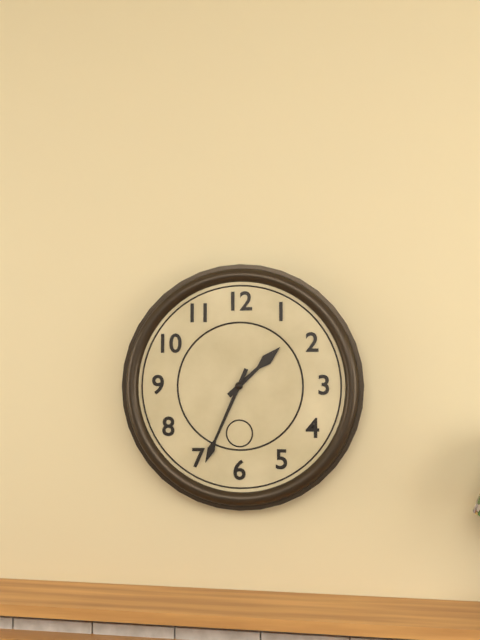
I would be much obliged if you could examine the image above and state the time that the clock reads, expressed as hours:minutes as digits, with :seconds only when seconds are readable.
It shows 1:34
